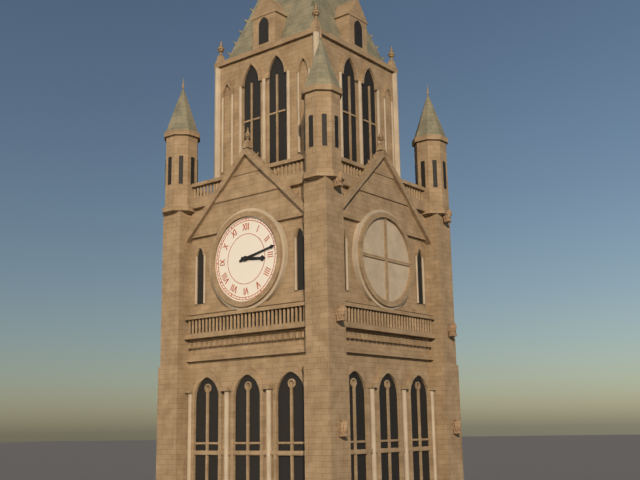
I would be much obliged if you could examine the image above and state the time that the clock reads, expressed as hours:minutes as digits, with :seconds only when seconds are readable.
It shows 3:13
